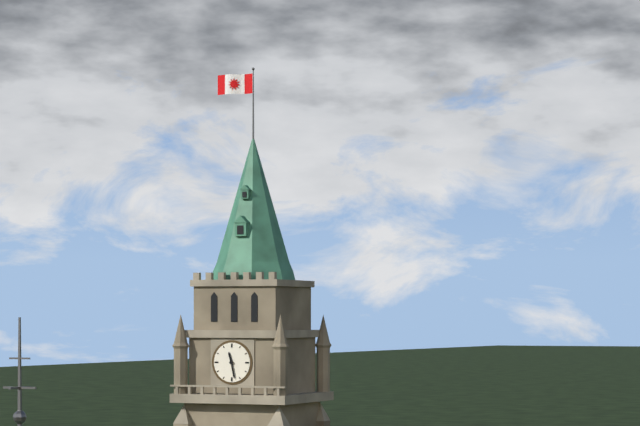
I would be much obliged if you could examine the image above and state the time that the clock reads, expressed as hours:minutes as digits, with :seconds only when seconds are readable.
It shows 11:28
